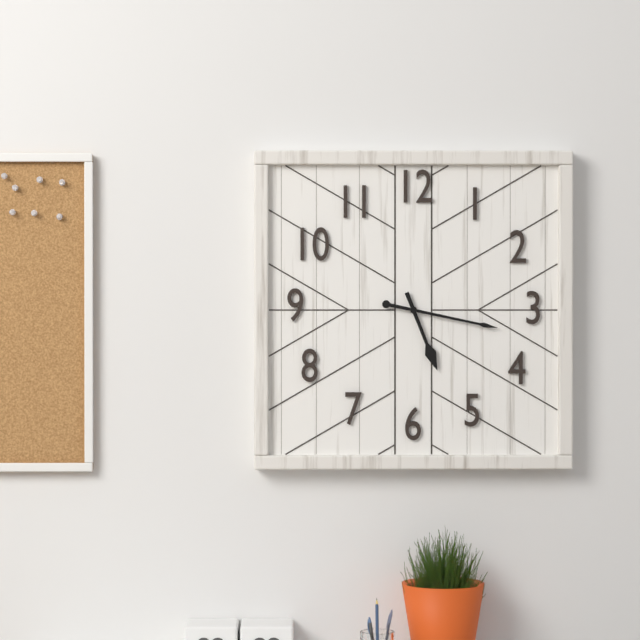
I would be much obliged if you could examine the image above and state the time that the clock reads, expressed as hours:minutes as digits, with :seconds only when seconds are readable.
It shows 5:17
